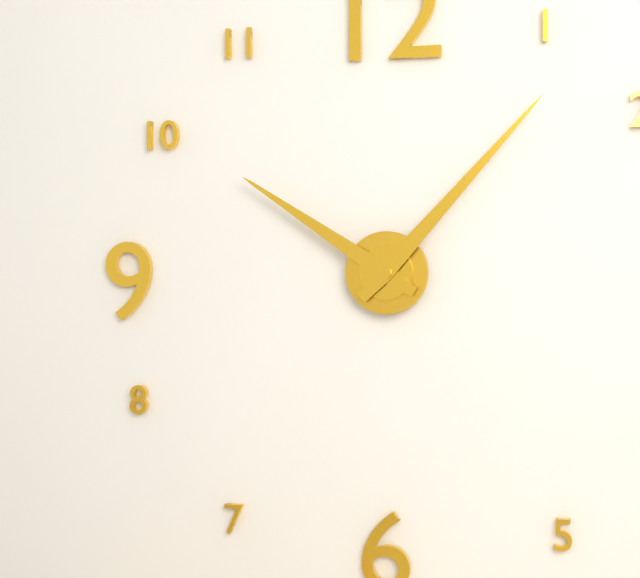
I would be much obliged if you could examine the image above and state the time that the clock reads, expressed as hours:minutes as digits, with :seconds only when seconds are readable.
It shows 10:07
